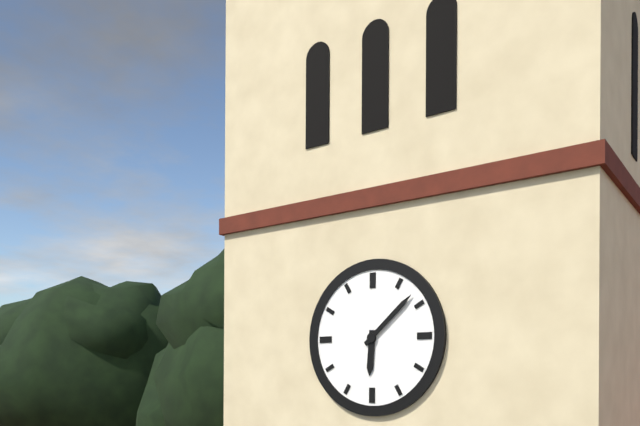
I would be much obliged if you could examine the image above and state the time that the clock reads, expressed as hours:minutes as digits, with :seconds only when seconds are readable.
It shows 6:08
